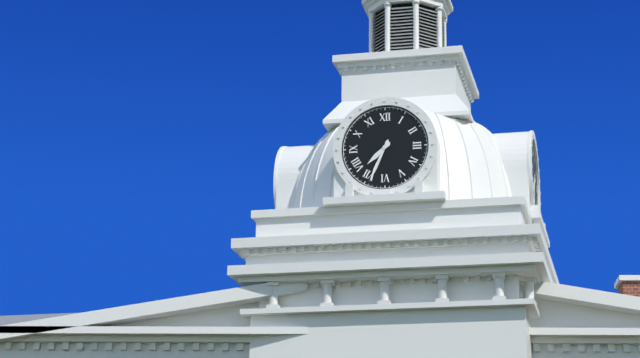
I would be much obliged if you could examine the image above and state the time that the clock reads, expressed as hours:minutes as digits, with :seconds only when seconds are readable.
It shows 7:34
